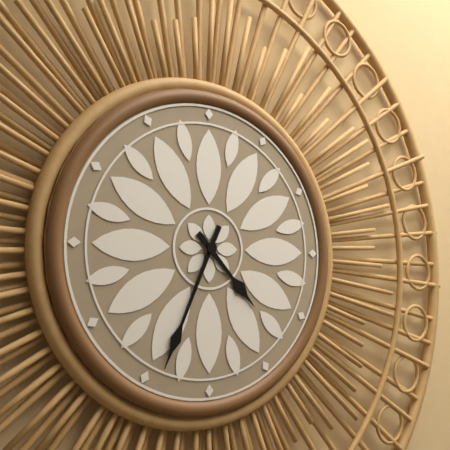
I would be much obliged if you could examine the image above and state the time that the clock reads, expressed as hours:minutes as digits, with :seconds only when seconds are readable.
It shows 4:34
